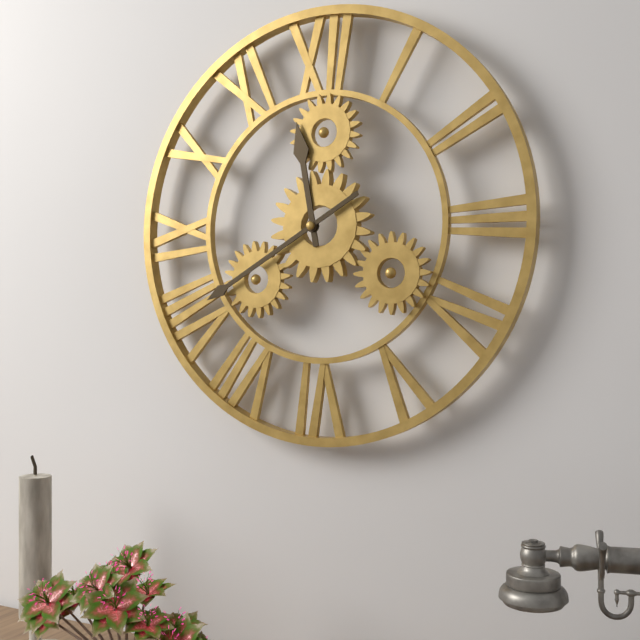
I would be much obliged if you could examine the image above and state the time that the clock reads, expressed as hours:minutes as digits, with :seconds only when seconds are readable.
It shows 11:40
